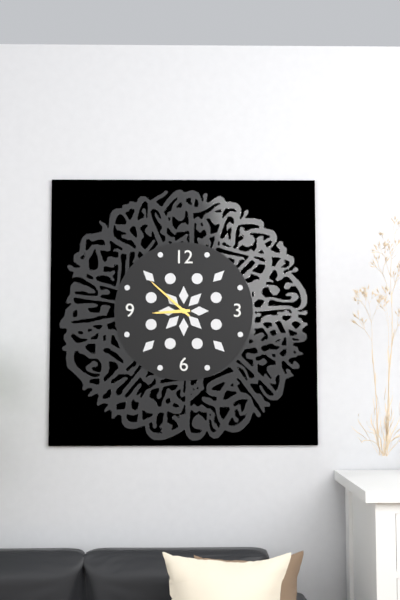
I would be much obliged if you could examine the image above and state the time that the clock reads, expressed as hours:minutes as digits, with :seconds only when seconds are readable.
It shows 8:52
